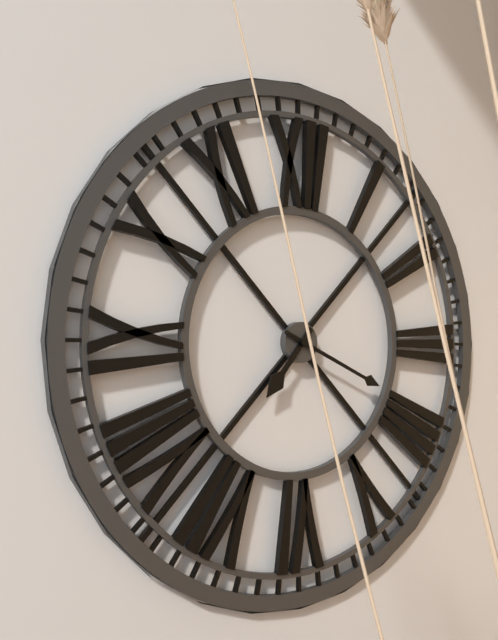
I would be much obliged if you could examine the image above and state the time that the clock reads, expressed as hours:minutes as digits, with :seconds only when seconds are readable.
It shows 7:19
